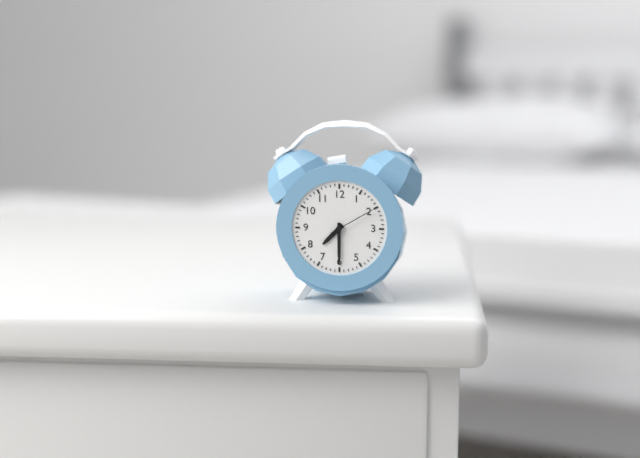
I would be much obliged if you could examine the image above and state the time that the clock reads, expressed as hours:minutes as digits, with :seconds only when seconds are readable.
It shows 7:30
